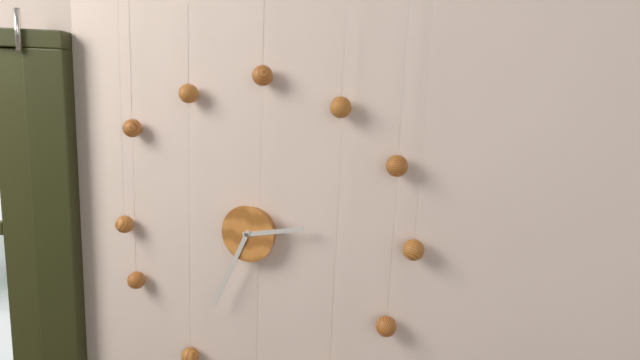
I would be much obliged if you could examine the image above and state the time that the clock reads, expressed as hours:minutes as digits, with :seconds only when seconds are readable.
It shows 2:34
